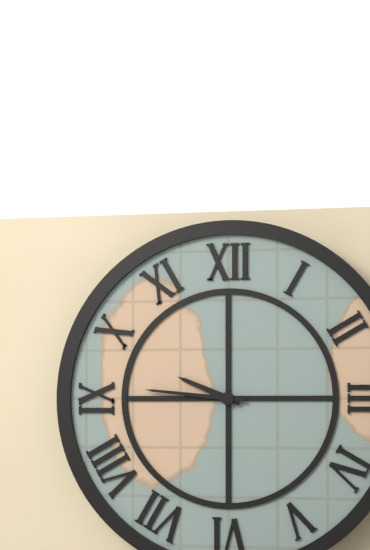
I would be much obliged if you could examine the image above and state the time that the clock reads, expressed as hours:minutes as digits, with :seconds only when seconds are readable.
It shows 9:46
